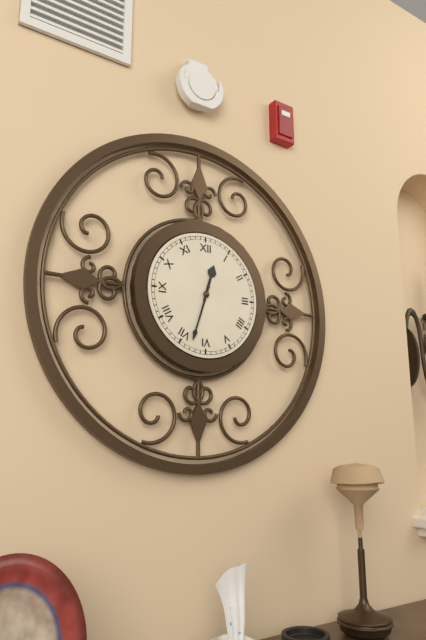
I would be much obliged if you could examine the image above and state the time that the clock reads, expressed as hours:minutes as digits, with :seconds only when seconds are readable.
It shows 12:33
